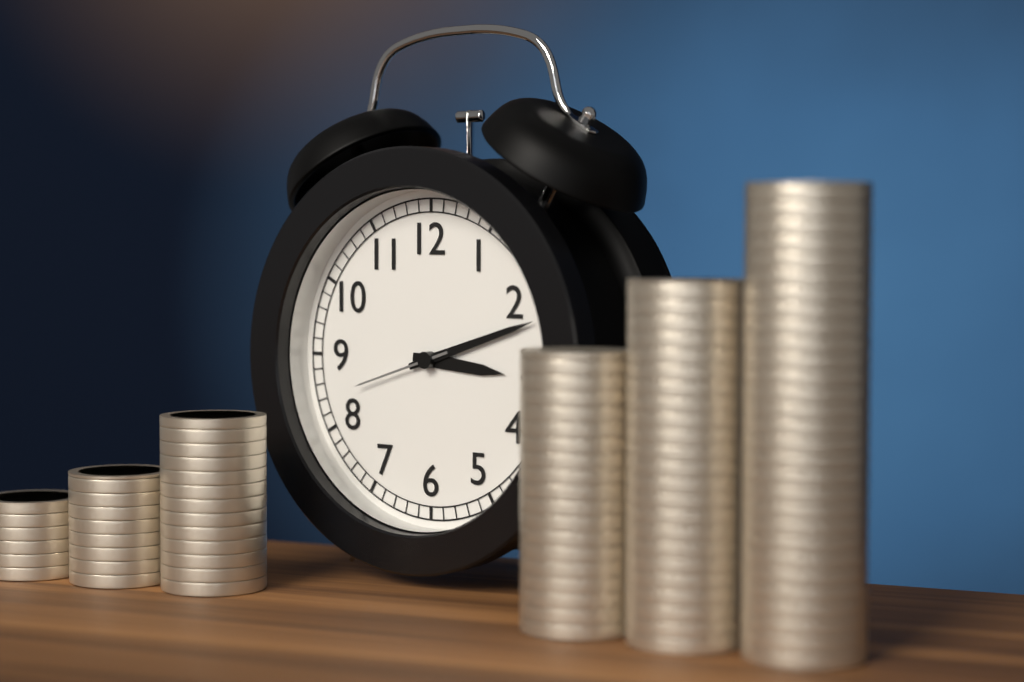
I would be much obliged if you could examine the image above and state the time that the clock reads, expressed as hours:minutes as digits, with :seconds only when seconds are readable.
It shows 3:12:42
